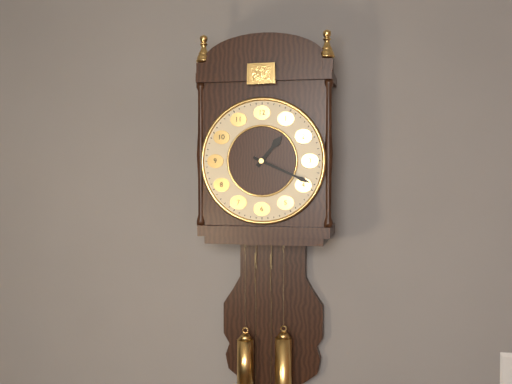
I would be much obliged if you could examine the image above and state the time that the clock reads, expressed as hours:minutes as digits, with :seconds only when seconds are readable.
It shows 1:19
